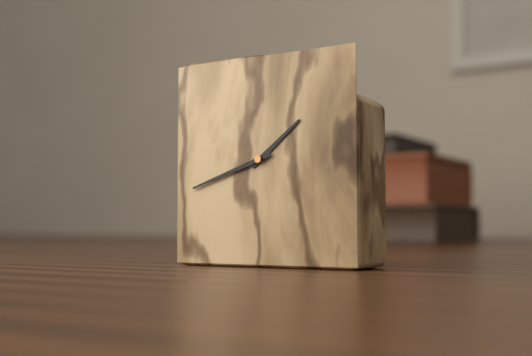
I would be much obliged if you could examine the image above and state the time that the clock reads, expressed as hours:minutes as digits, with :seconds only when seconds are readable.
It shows 1:42
